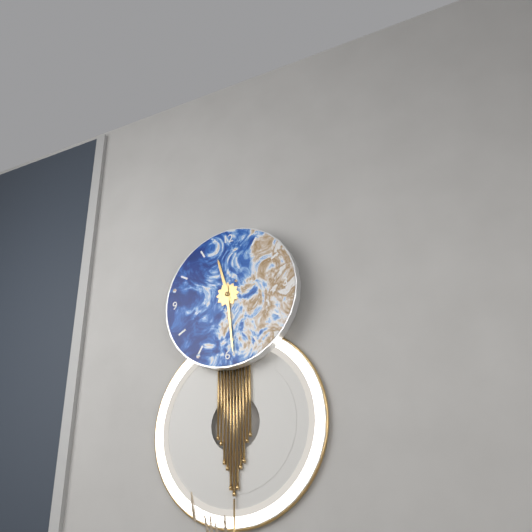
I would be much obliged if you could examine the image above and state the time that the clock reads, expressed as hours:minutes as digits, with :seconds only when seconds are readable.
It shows 11:29
